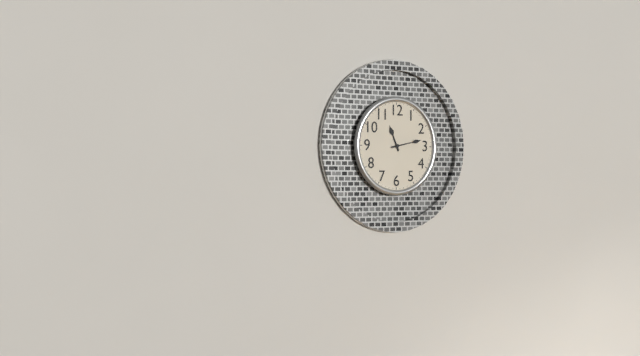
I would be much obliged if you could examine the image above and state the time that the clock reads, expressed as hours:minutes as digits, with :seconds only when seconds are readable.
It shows 11:13
